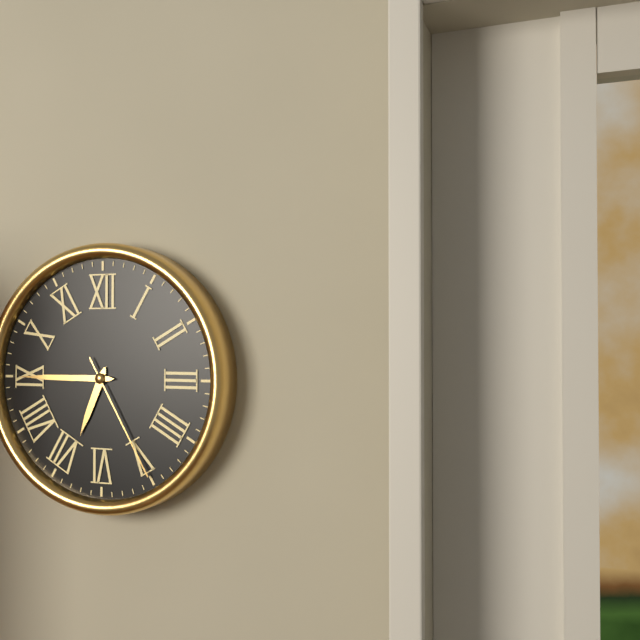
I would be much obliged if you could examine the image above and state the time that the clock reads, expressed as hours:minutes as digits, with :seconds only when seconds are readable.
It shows 6:45:25
